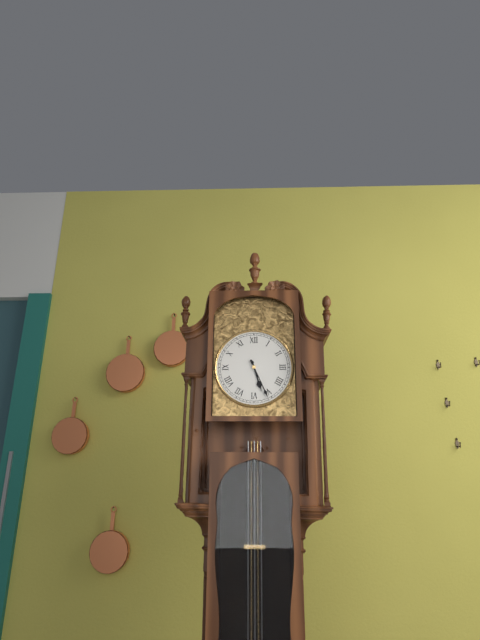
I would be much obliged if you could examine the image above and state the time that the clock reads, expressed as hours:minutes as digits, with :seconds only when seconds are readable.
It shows 5:26
